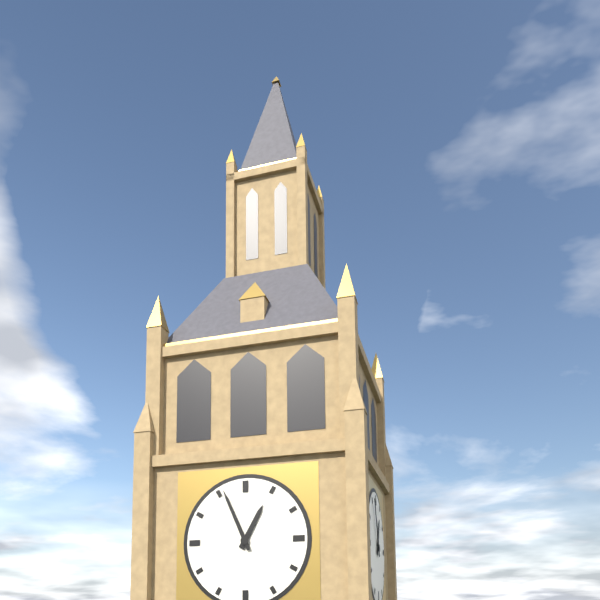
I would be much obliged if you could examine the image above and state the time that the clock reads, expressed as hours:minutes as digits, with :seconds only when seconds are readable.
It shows 12:56
